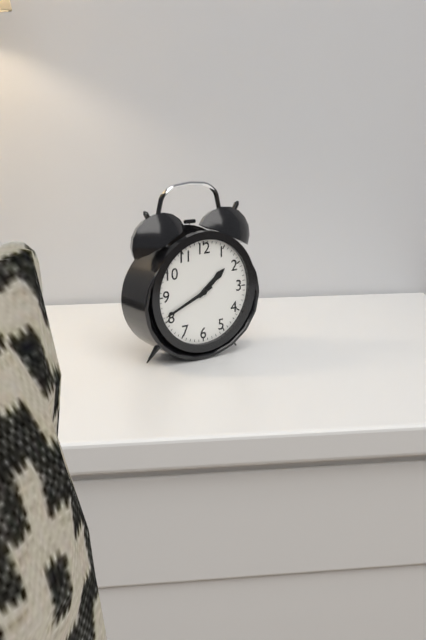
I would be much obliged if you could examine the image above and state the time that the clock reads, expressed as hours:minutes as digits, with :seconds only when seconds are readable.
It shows 1:41
